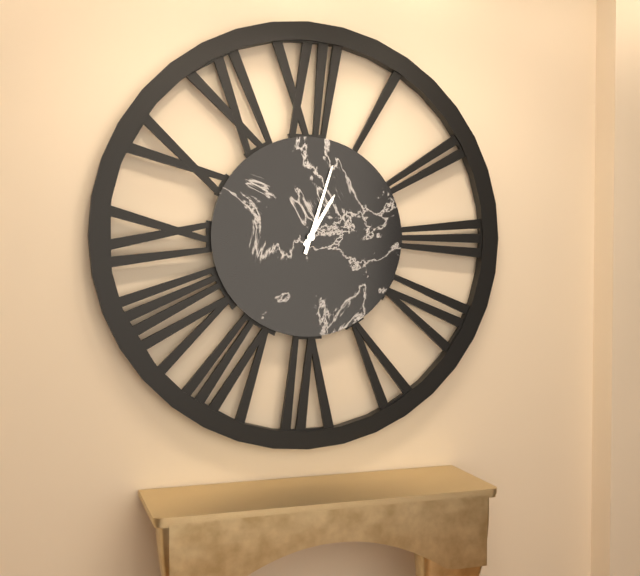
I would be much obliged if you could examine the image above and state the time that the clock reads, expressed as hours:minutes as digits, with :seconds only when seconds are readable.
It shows 1:03
